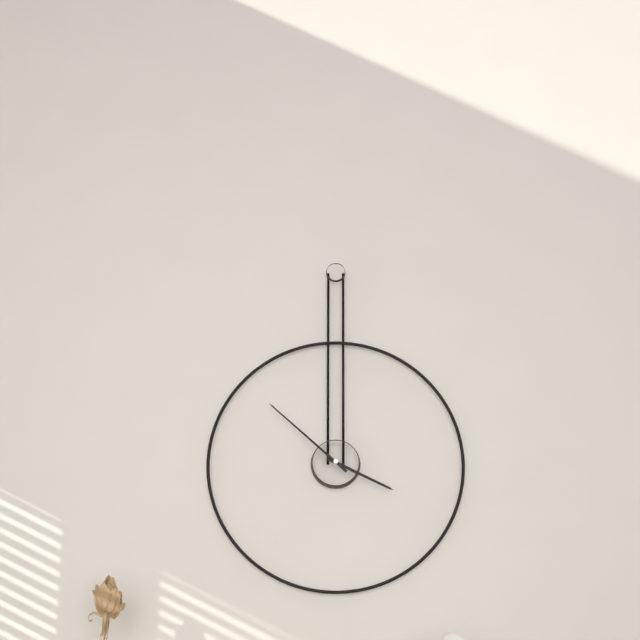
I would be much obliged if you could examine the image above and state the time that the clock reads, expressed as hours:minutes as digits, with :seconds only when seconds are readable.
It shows 3:52
